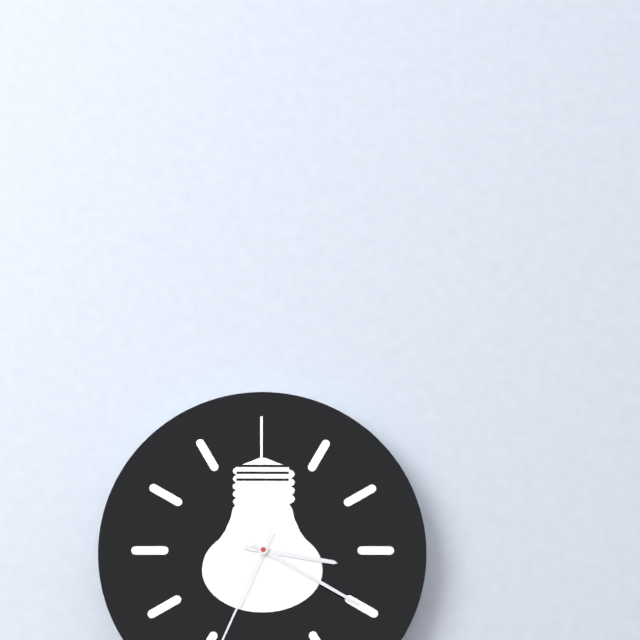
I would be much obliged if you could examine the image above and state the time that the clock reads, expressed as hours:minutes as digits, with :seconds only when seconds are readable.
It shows 3:20
